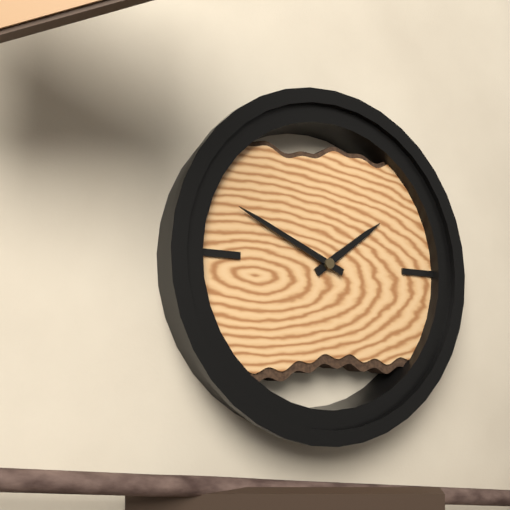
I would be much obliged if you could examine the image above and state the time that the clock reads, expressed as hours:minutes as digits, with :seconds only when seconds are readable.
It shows 1:49
